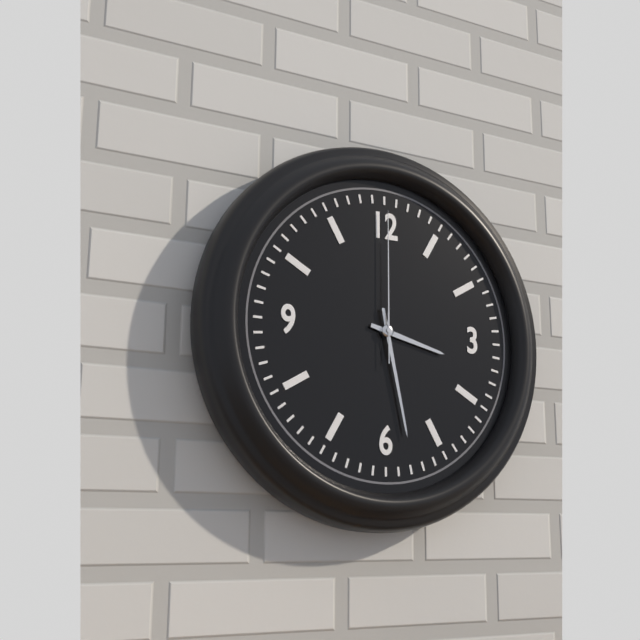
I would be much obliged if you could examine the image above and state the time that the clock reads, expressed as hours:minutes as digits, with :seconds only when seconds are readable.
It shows 3:28:00
